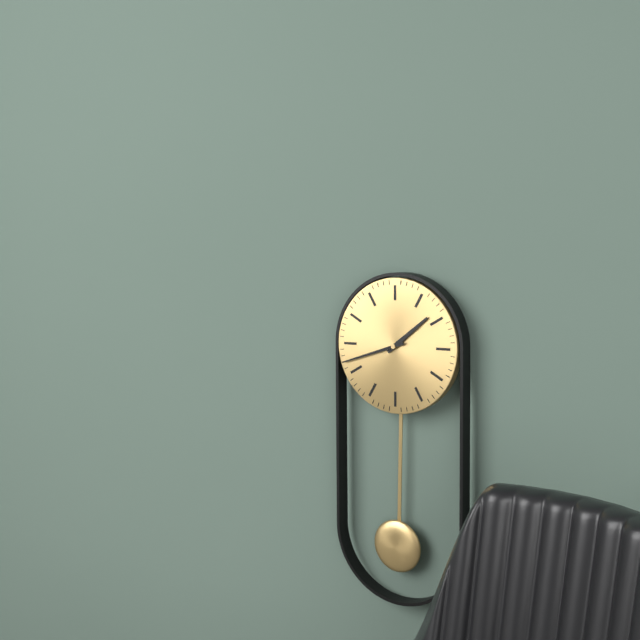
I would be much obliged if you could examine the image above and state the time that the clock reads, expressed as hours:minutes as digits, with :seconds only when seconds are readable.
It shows 1:42
